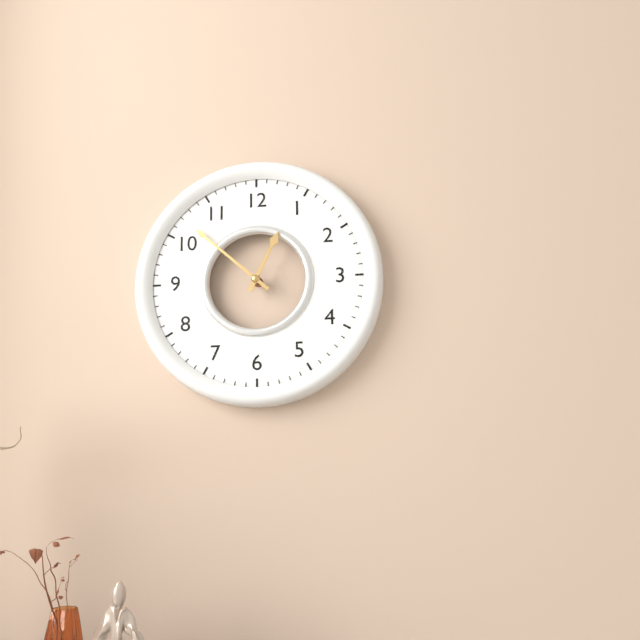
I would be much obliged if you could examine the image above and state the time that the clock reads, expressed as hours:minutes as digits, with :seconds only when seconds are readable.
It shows 12:52
